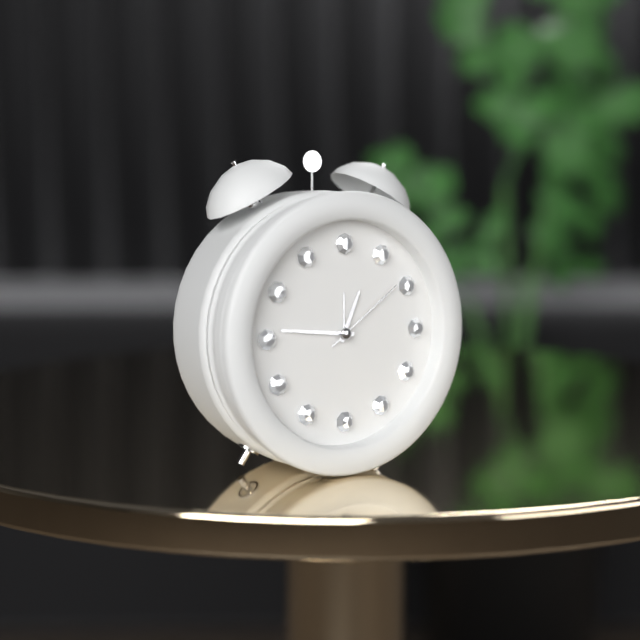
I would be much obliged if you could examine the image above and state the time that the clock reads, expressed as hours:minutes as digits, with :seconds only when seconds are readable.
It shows 12:46:09
